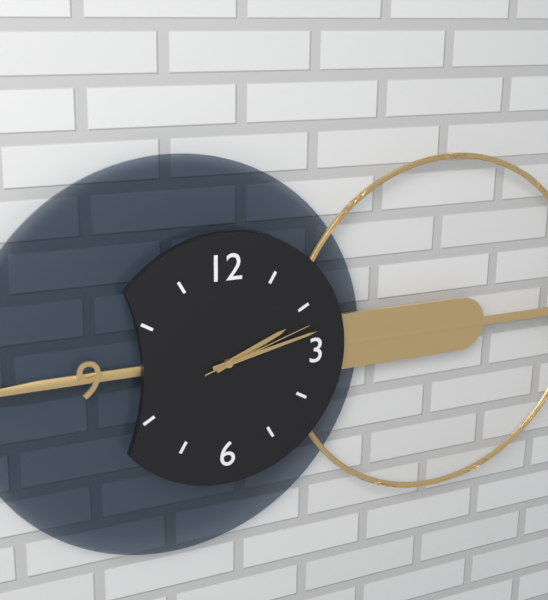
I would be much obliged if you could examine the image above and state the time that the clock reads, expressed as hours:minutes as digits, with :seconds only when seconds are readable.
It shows 2:13:12
